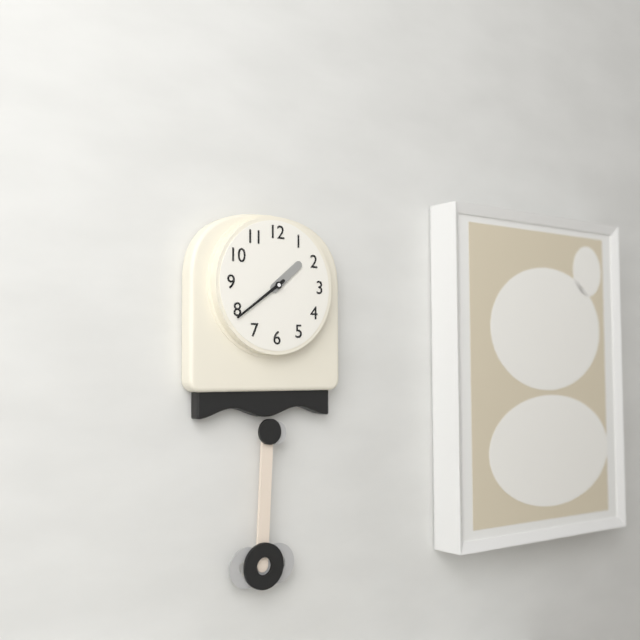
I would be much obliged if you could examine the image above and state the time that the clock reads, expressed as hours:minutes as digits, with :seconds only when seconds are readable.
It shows 1:39
